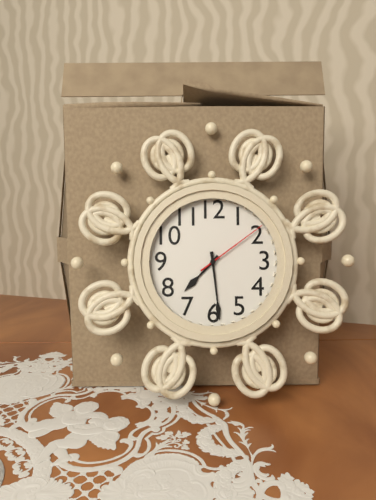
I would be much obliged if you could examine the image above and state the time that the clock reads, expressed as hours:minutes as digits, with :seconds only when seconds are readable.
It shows 7:29:09
